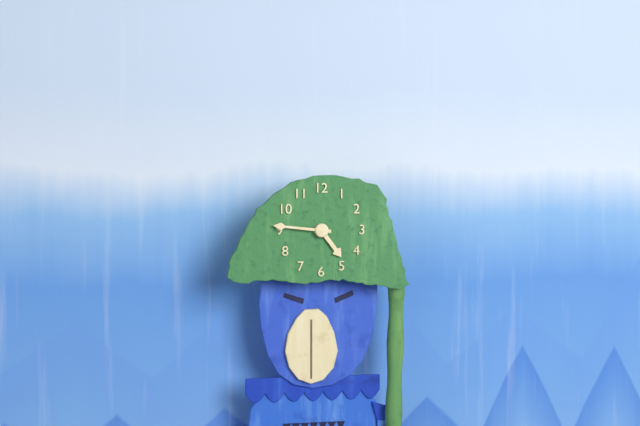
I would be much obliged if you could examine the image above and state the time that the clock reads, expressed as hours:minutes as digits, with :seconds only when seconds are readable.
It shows 4:46
